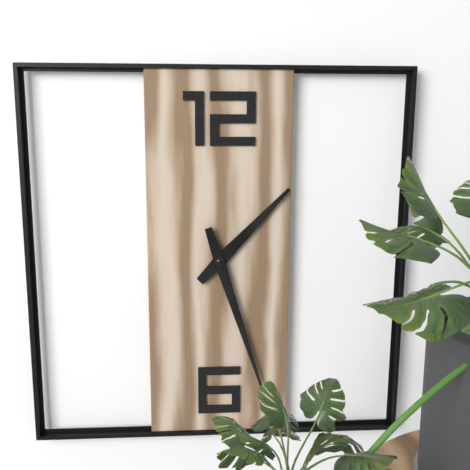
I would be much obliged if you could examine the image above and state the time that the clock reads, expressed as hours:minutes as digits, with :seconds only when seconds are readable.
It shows 1:27
